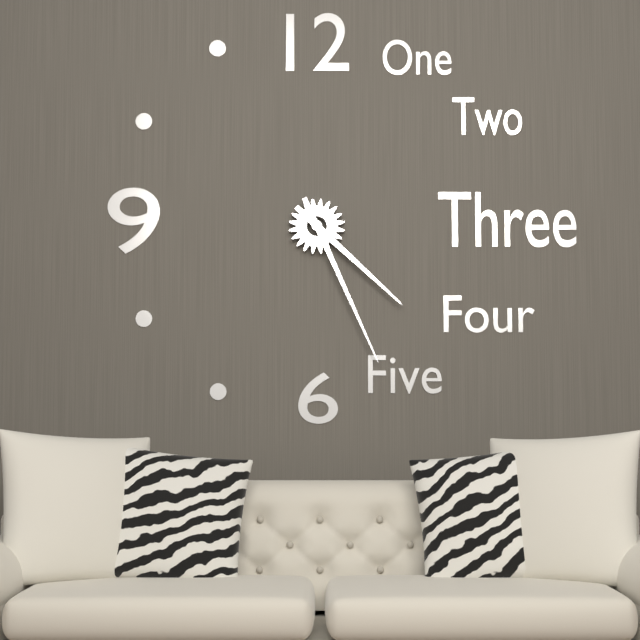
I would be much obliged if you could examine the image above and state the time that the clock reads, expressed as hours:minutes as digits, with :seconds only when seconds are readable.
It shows 4:26
